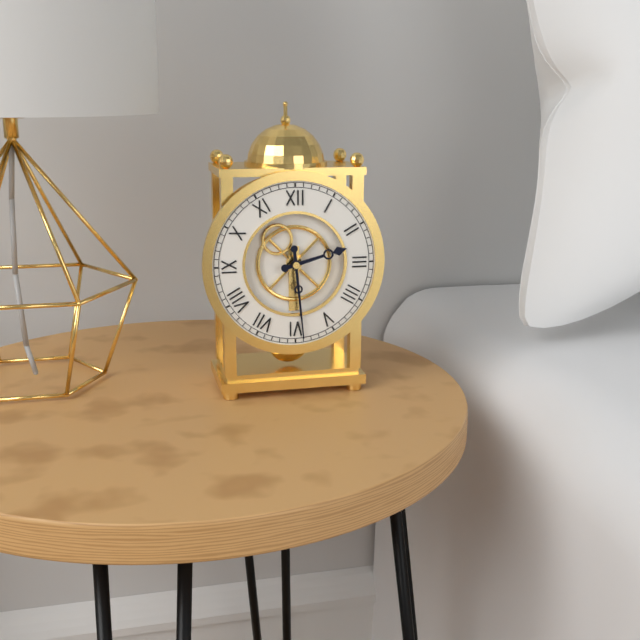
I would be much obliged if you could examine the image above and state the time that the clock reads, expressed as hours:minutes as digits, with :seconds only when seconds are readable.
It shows 2:29
